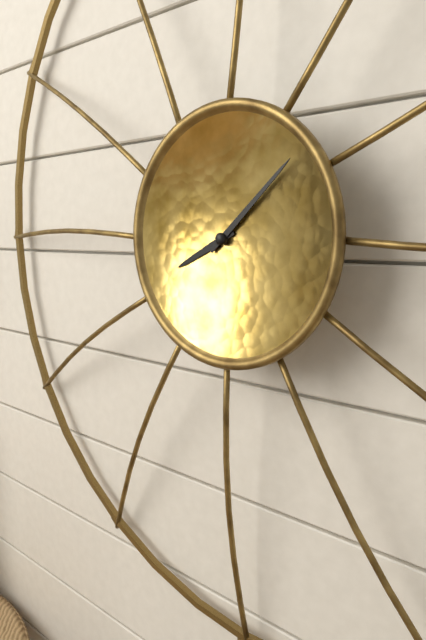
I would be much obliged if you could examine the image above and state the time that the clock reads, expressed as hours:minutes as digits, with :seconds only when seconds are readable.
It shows 8:08
